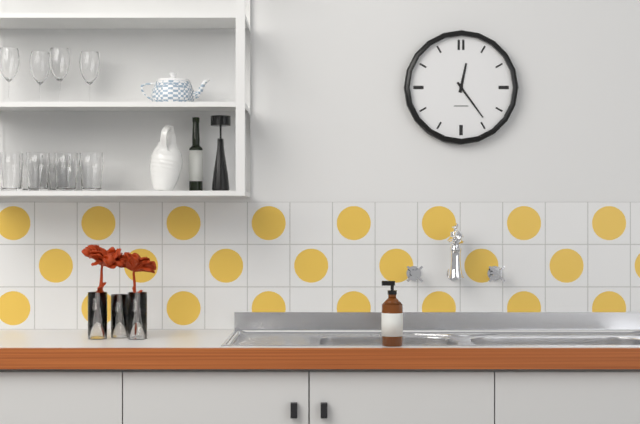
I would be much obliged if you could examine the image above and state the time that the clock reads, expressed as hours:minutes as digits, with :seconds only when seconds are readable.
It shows 12:24
